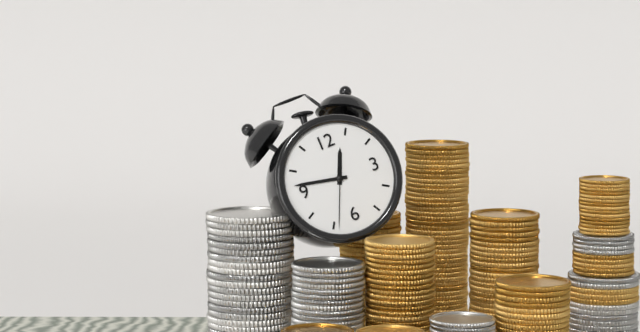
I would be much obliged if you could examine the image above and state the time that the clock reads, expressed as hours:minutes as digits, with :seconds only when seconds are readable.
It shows 12:47:34
